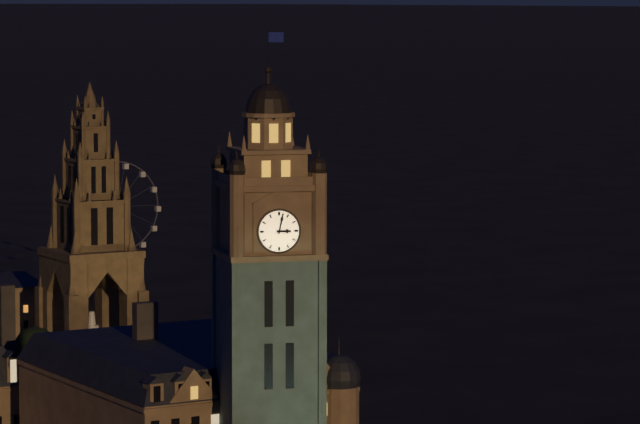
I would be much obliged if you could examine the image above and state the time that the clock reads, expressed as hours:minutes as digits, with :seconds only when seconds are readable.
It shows 3:02
